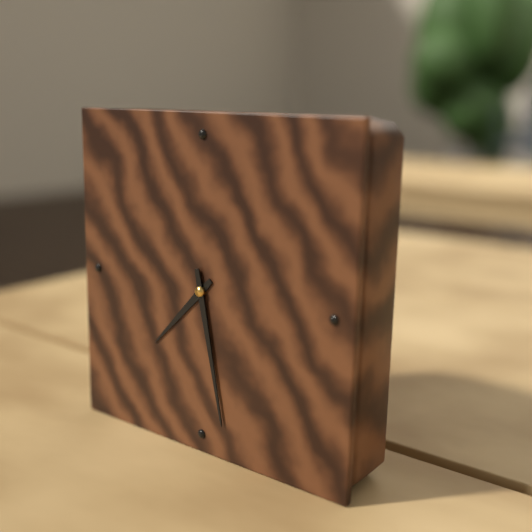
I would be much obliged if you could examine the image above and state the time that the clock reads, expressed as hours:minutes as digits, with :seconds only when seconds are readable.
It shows 7:28
